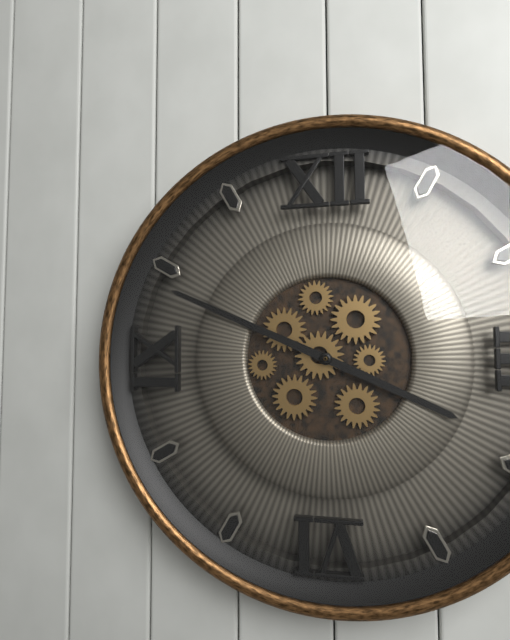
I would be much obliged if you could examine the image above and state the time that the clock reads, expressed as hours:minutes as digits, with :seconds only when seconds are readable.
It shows 3:49
